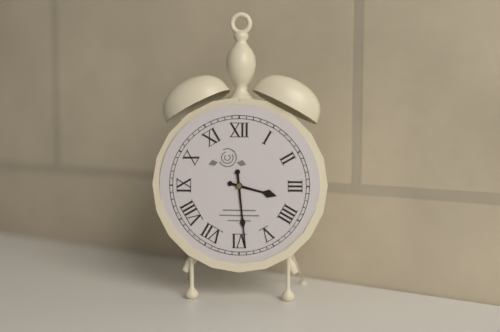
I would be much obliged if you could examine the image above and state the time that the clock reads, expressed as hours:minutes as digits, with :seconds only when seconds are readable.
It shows 3:29
